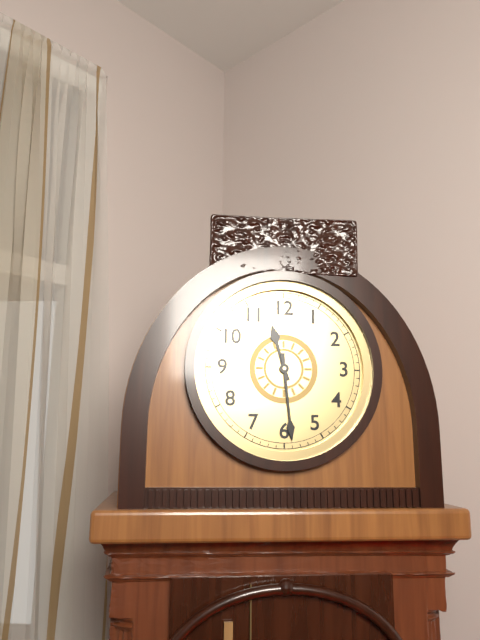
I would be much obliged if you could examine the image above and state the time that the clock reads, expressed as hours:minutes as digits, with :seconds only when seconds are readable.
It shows 11:29
